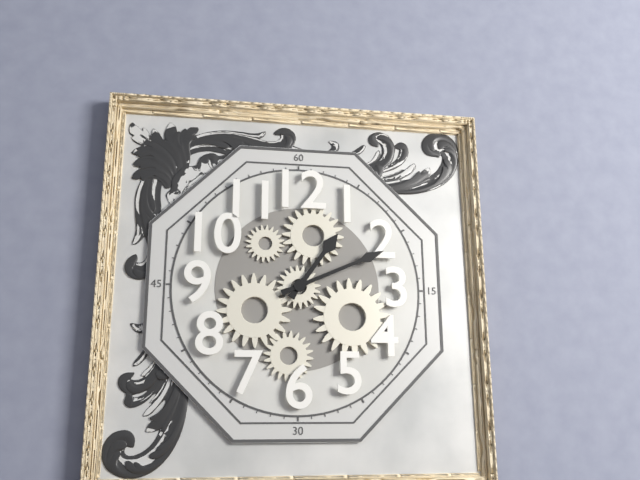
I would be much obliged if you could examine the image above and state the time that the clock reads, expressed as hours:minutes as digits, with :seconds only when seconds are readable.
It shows 1:11
